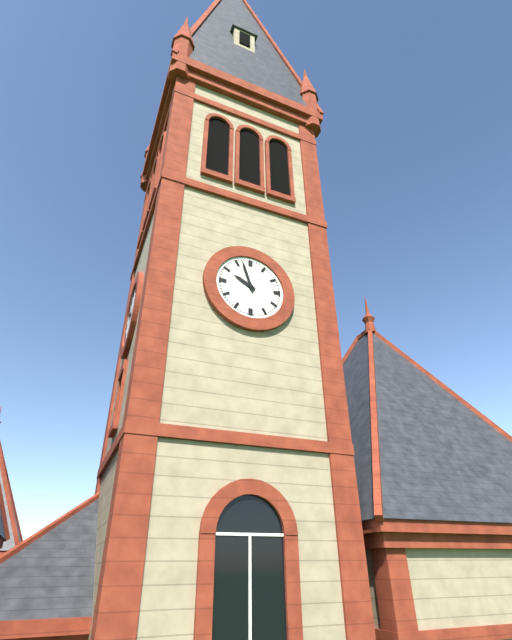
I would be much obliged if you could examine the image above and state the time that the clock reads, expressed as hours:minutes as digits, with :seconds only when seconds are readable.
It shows 9:57
